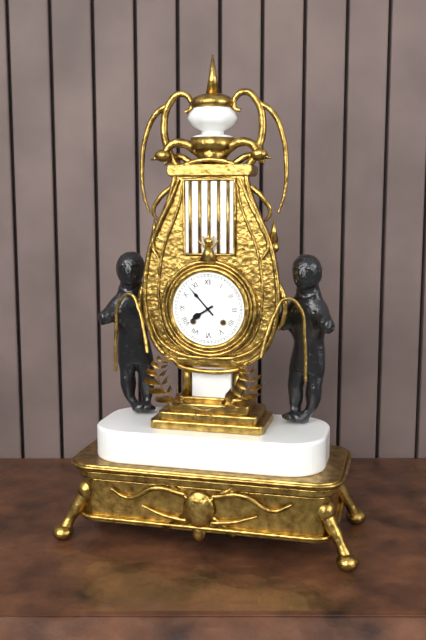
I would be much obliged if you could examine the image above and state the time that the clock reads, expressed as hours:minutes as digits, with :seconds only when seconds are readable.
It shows 7:53
